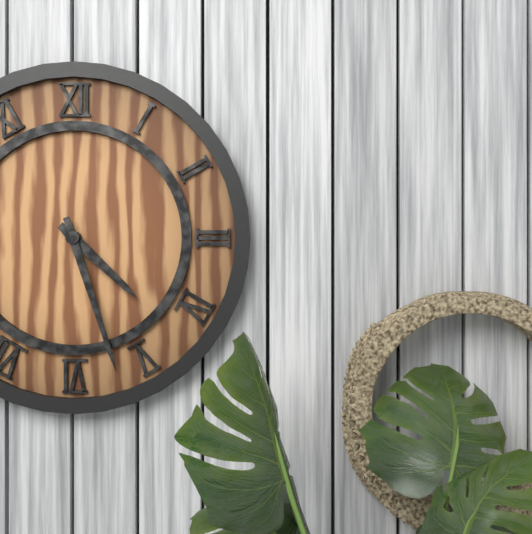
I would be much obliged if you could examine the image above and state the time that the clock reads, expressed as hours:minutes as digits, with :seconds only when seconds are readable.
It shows 4:27
